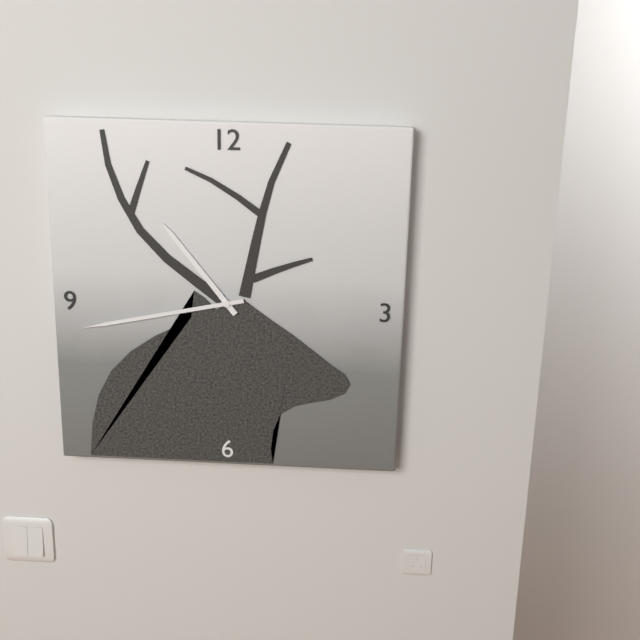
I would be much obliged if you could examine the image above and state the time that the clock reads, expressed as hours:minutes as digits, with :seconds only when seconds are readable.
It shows 10:43
